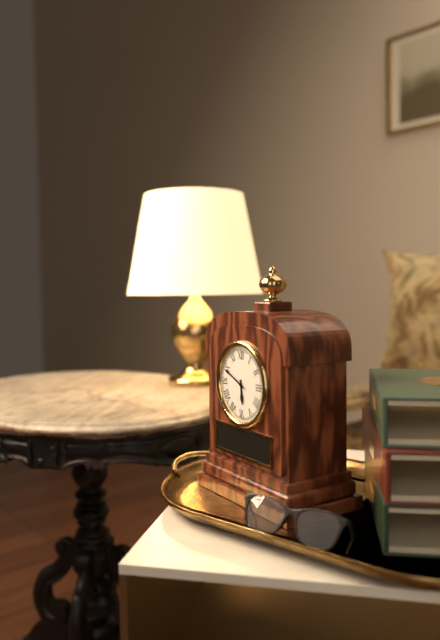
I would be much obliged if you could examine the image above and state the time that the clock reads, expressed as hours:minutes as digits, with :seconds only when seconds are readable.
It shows 5:49
